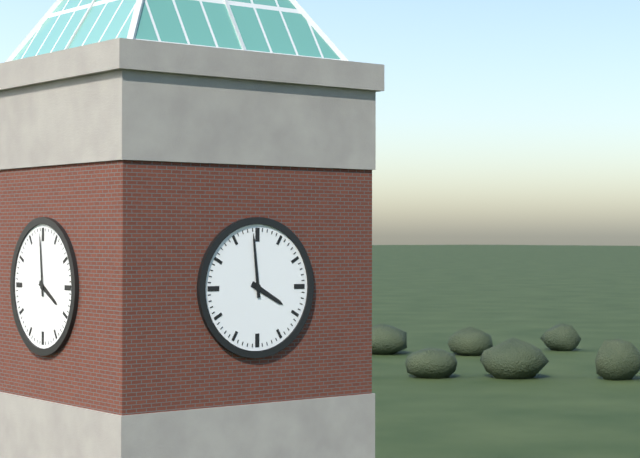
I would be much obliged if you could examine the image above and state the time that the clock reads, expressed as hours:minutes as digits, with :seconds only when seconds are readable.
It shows 3:59
